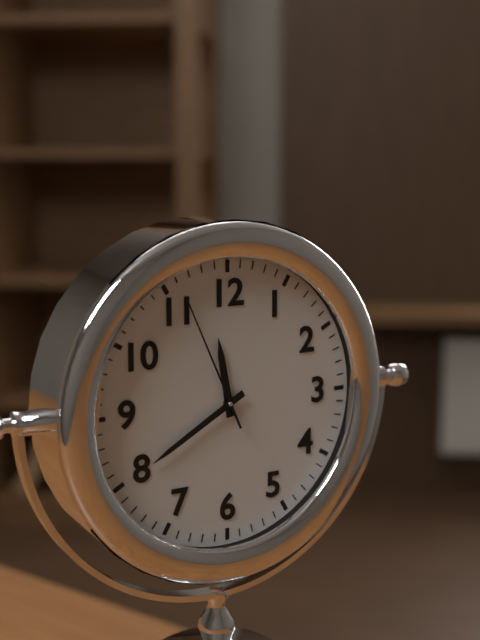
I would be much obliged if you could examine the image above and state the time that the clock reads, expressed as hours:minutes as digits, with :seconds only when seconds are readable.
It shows 11:40:56
